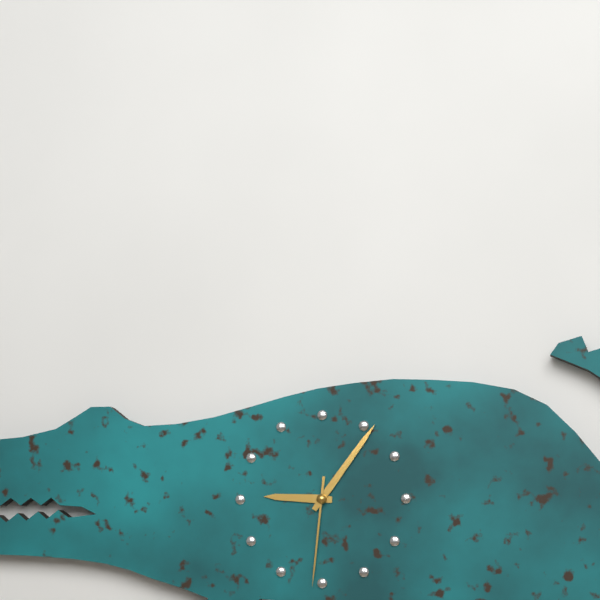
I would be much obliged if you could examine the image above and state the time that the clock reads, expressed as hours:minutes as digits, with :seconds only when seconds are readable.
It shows 9:06:31
